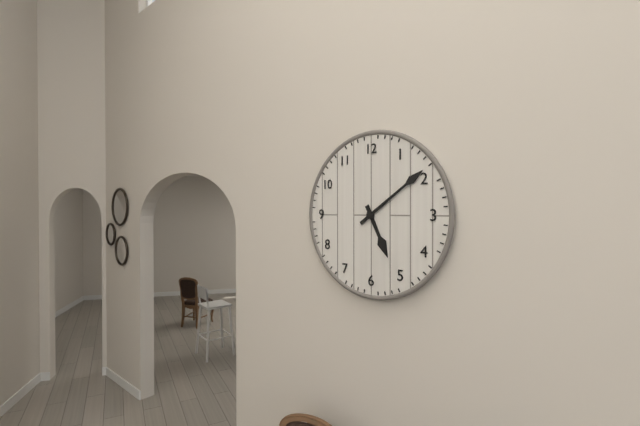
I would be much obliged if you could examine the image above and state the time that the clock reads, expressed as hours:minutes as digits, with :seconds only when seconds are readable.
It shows 5:09
